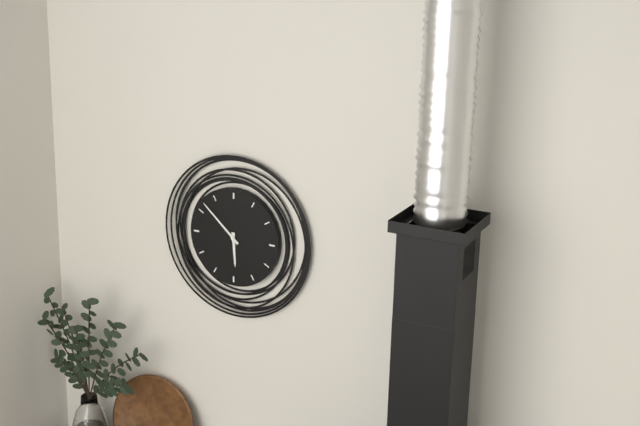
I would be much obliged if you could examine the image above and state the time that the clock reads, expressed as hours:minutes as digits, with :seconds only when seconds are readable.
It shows 5:52
